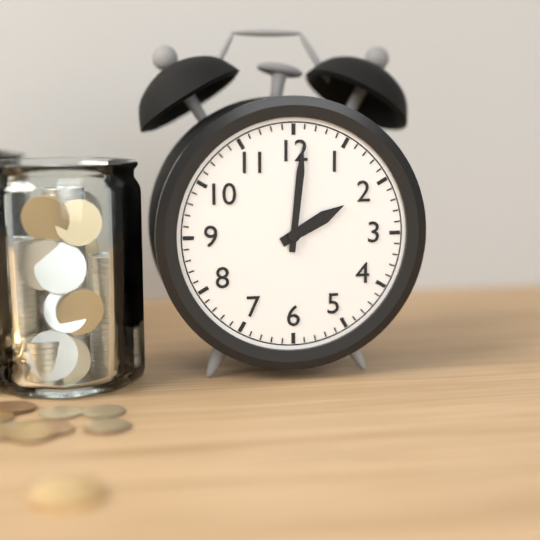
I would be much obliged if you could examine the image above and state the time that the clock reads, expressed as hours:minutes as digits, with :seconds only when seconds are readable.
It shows 2:01
